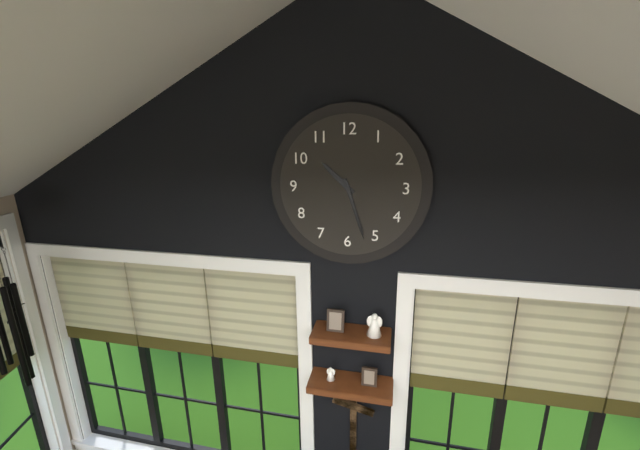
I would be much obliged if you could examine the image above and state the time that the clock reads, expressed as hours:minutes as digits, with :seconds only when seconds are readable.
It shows 10:27
